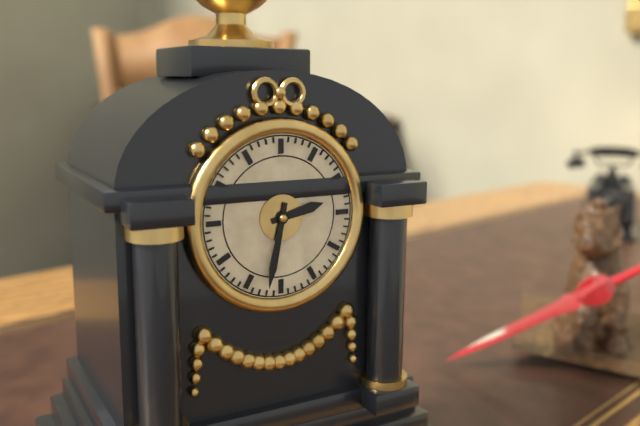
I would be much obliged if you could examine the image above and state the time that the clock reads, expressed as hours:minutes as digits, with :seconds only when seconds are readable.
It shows 2:32
